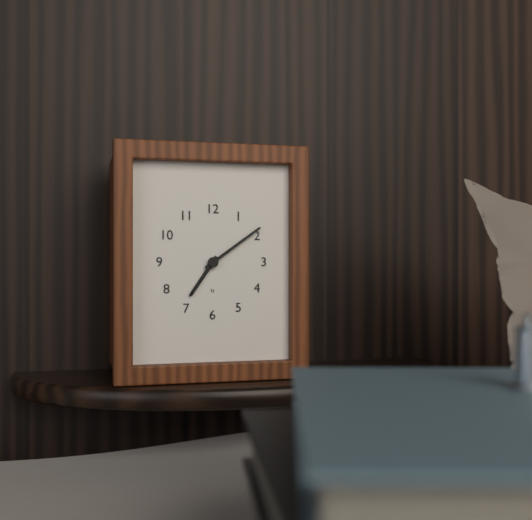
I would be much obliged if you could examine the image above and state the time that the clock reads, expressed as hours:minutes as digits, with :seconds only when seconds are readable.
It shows 7:09
